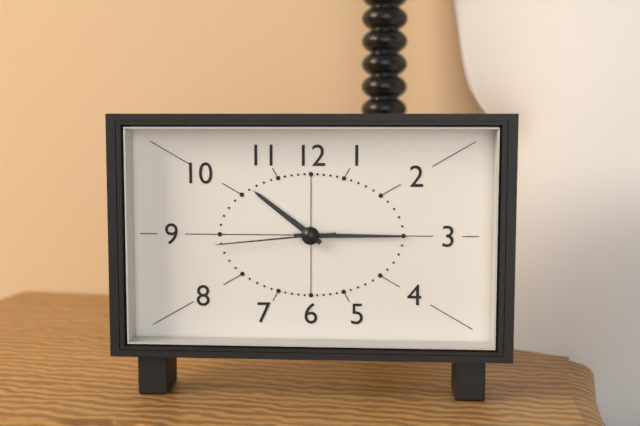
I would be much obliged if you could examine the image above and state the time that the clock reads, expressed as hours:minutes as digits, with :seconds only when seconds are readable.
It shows 10:15:44
